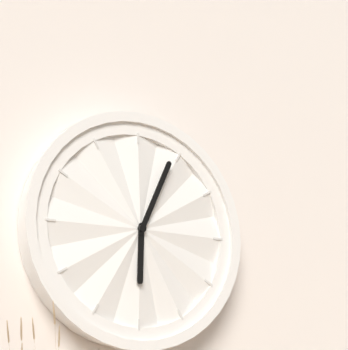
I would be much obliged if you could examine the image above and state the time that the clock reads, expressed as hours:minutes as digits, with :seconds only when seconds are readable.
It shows 6:04
